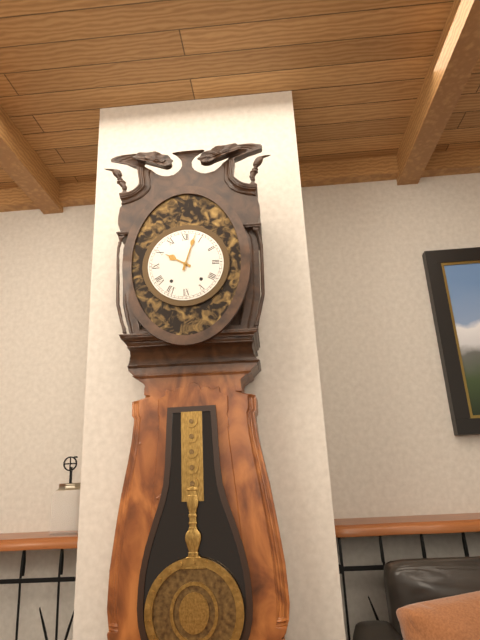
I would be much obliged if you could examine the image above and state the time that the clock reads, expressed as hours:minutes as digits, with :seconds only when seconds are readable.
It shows 10:03
